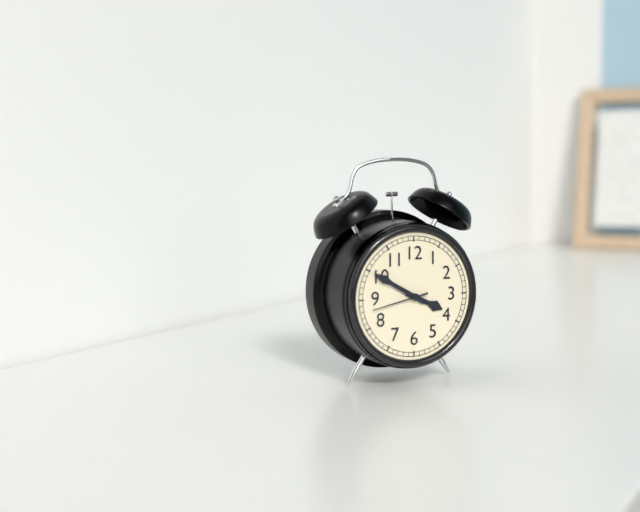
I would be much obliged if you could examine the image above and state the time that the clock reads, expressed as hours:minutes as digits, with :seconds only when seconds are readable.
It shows 3:50
